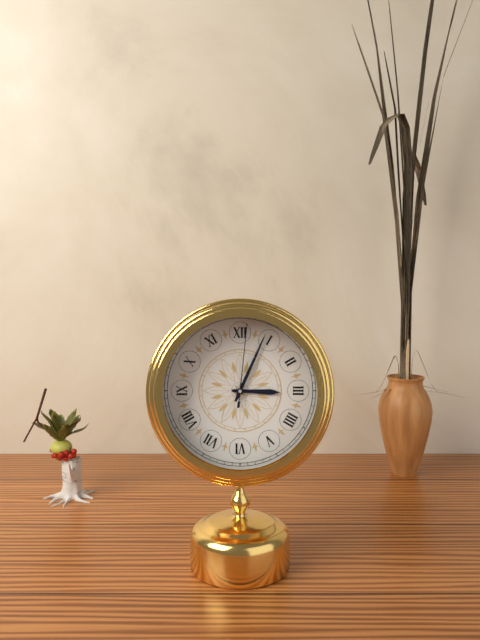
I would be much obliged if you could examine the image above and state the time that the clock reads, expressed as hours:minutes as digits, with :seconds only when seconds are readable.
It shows 3:04:01
